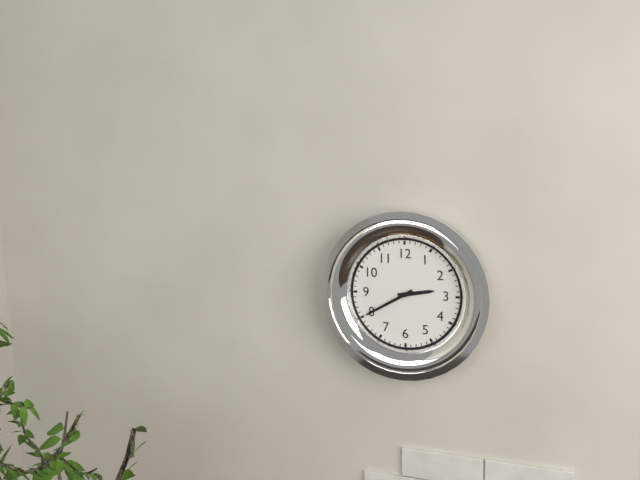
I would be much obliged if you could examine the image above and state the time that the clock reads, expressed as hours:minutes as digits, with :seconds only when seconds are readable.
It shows 2:40
